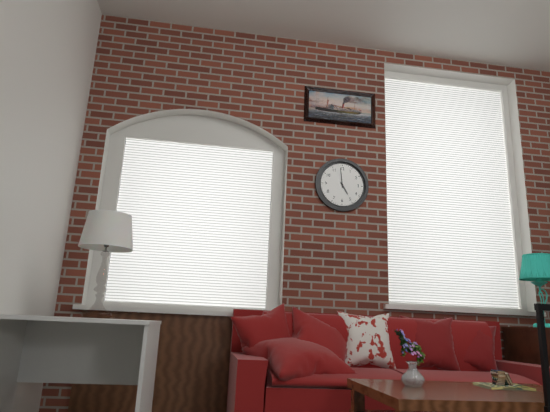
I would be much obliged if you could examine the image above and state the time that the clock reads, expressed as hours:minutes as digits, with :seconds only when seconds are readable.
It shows 4:59
